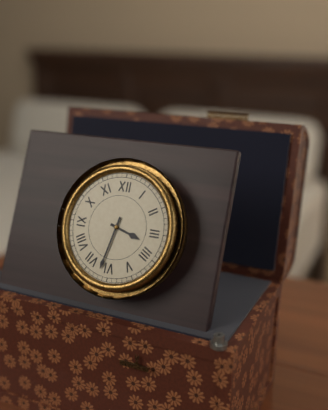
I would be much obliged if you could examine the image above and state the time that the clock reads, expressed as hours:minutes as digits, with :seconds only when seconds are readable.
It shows 3:32
